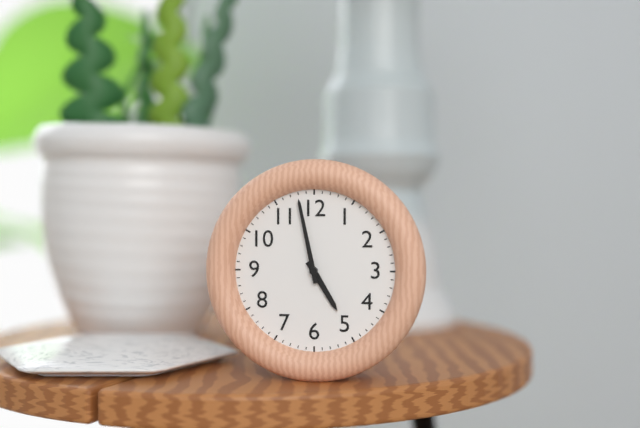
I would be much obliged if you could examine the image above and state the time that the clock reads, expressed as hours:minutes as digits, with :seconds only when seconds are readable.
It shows 4:58
